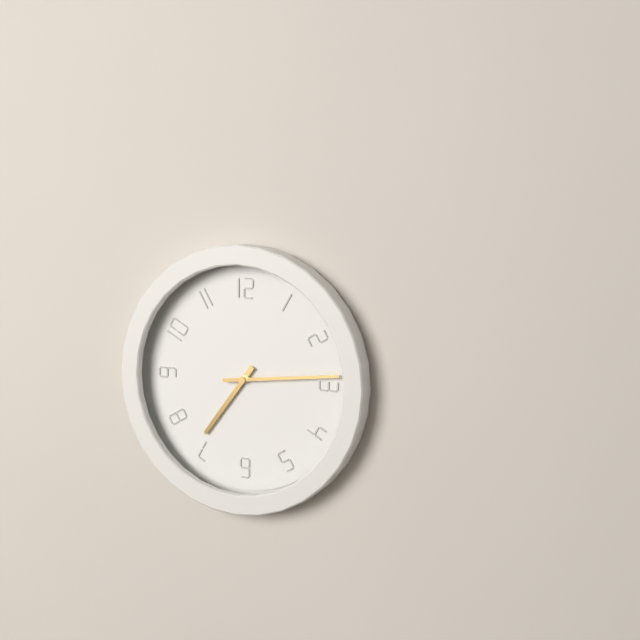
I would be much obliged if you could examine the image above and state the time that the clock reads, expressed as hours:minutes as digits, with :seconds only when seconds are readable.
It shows 7:14
